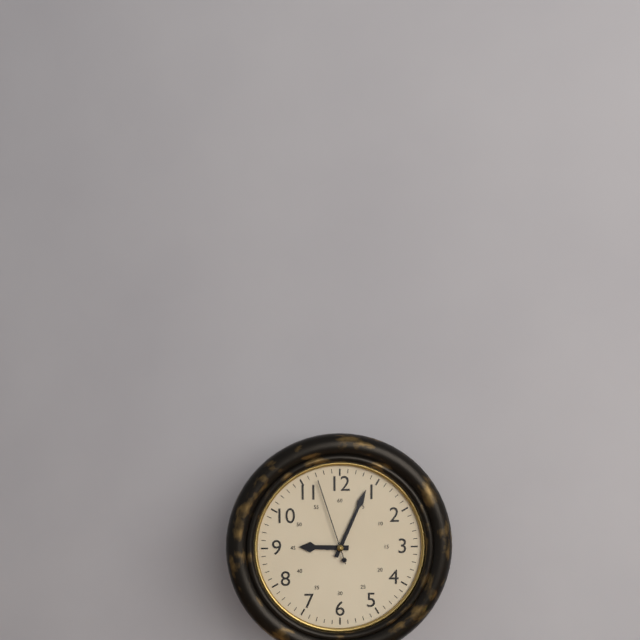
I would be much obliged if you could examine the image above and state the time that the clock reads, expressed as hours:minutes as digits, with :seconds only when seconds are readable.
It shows 9:04:57
